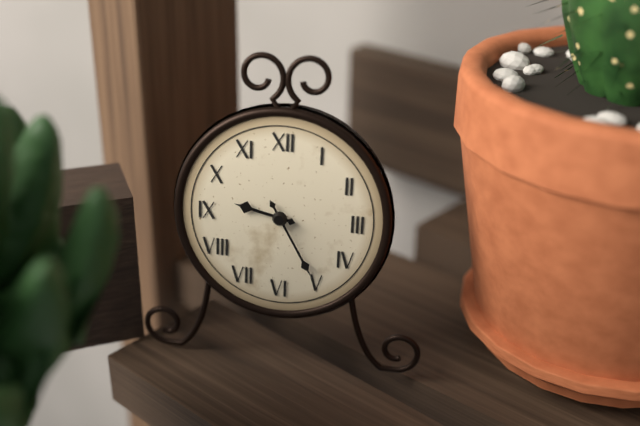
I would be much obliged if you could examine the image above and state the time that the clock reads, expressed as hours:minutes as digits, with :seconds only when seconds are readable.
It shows 9:25
